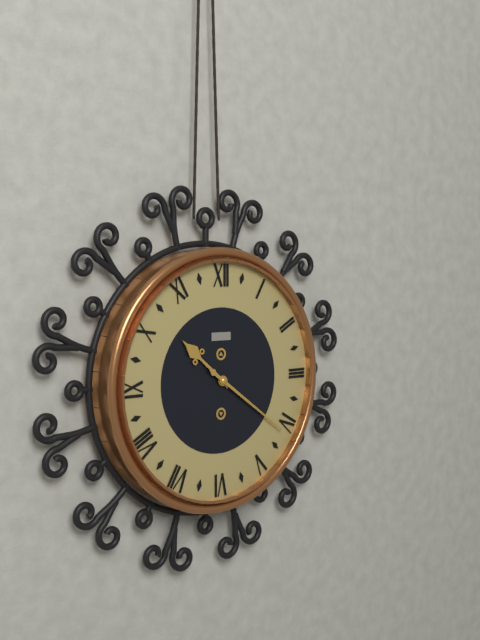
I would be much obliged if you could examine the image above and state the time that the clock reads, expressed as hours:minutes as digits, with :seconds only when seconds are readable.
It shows 10:21
